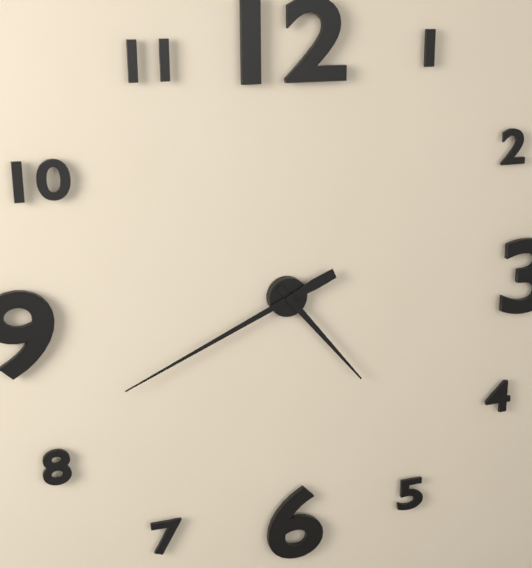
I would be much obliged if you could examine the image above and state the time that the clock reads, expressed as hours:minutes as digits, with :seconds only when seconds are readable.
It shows 4:41
